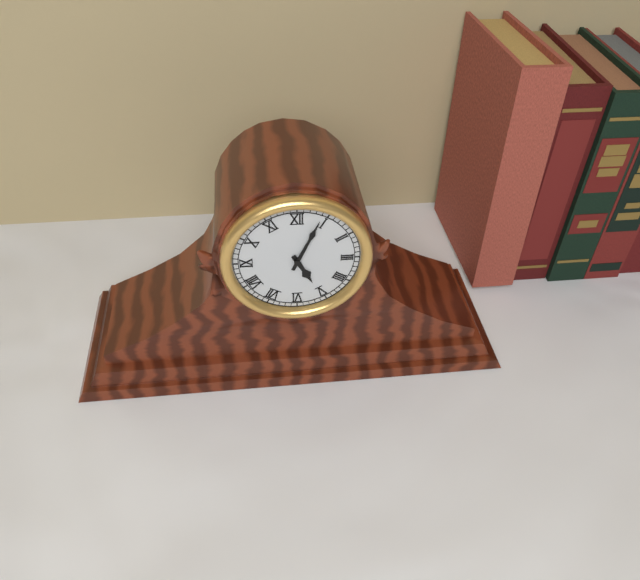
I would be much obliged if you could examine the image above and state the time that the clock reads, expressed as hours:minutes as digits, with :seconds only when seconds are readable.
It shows 5:04
